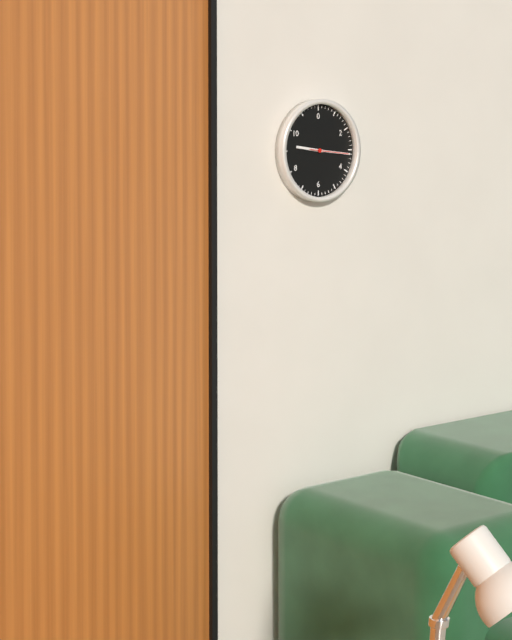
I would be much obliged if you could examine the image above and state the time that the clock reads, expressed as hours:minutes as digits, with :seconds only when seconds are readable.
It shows 9:16
